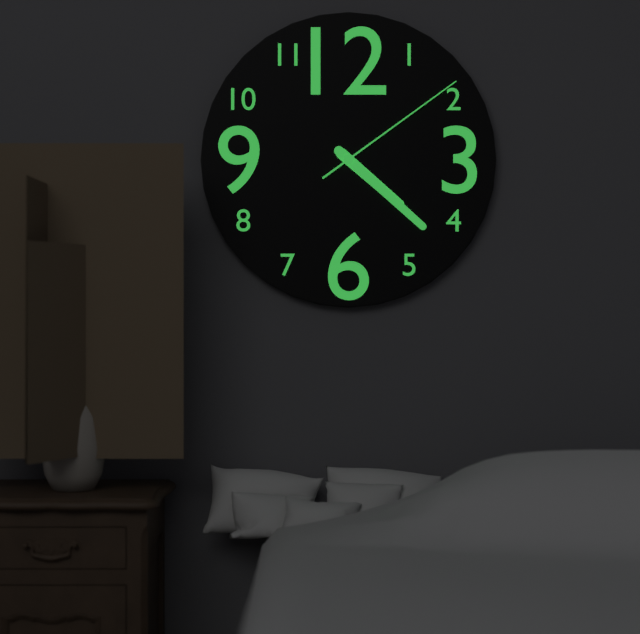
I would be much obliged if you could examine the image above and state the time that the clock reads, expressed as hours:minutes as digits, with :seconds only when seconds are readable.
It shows 4:22:09
